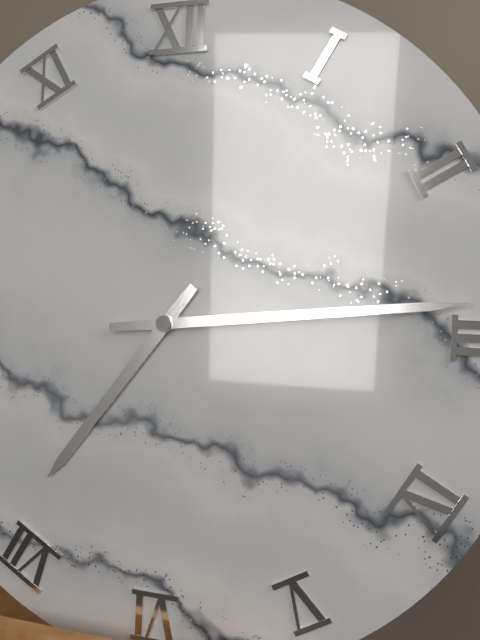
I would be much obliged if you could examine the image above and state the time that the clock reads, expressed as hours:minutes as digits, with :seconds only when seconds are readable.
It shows 7:14
